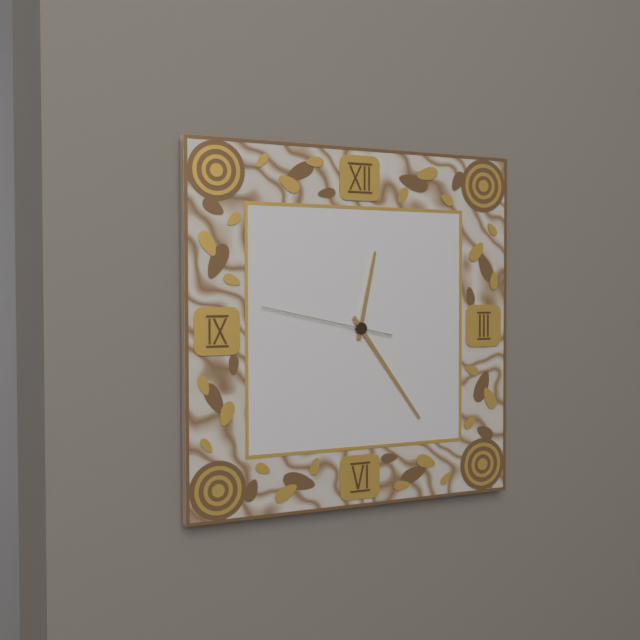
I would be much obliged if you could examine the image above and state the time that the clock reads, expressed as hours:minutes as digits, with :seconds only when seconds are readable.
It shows 12:24:47
